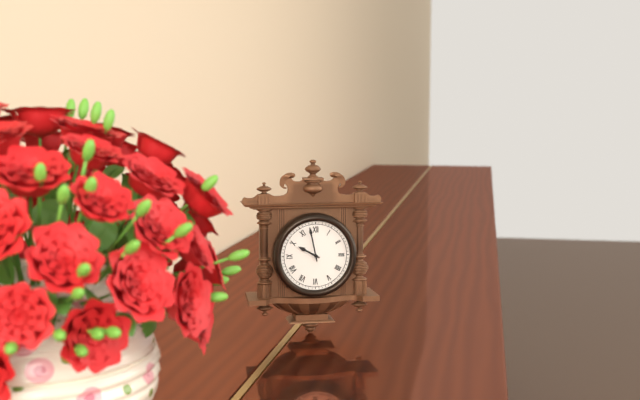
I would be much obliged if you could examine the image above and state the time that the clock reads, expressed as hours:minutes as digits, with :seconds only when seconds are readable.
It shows 9:58
